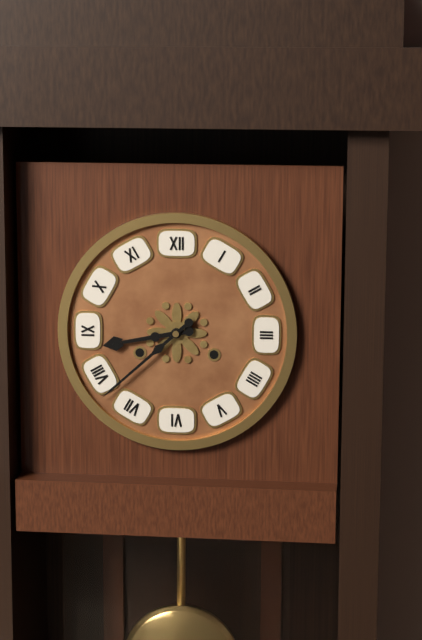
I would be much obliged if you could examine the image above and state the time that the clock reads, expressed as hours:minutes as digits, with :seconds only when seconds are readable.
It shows 8:38
